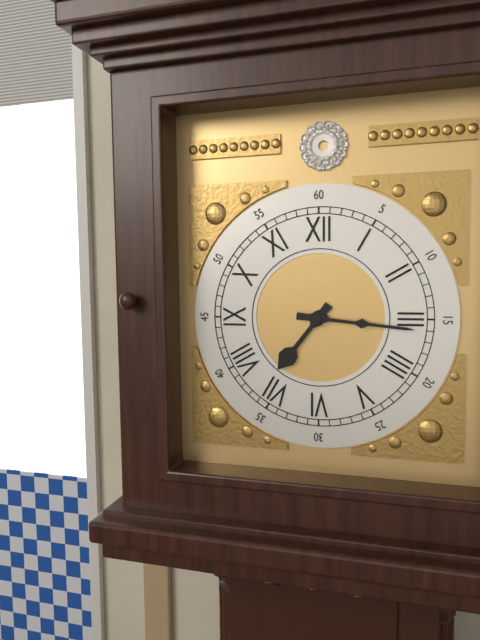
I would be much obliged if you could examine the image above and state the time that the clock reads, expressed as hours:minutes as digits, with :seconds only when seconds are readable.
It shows 7:16
